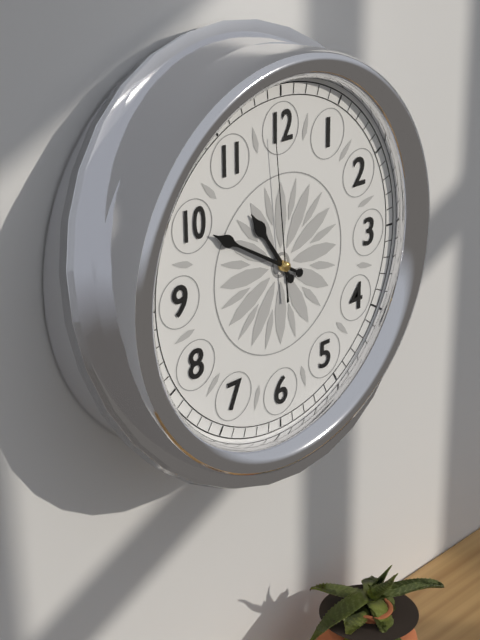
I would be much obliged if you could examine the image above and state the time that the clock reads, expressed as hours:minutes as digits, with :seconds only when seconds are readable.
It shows 10:50:59
